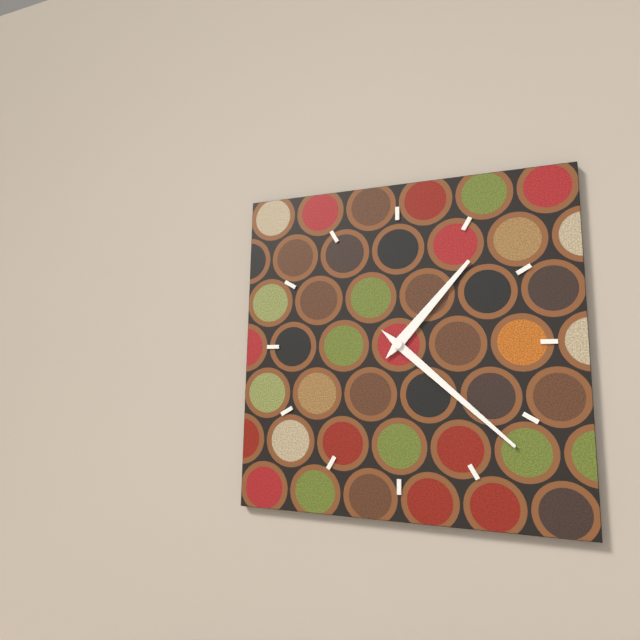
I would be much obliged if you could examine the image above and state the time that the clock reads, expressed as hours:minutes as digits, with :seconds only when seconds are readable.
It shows 1:22
